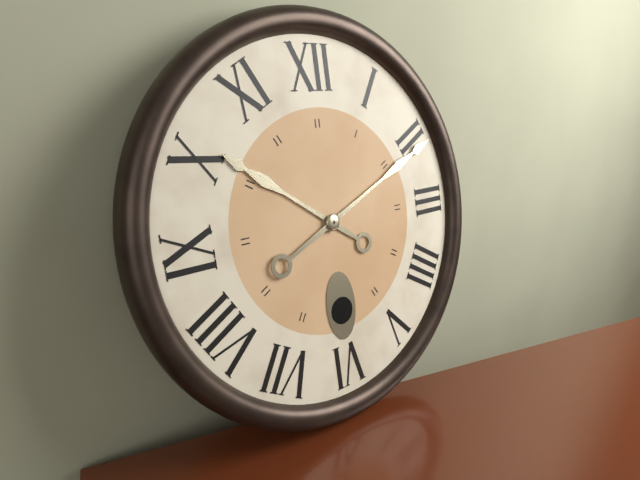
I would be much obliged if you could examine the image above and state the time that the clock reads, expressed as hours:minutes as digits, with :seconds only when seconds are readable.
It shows 10:11
